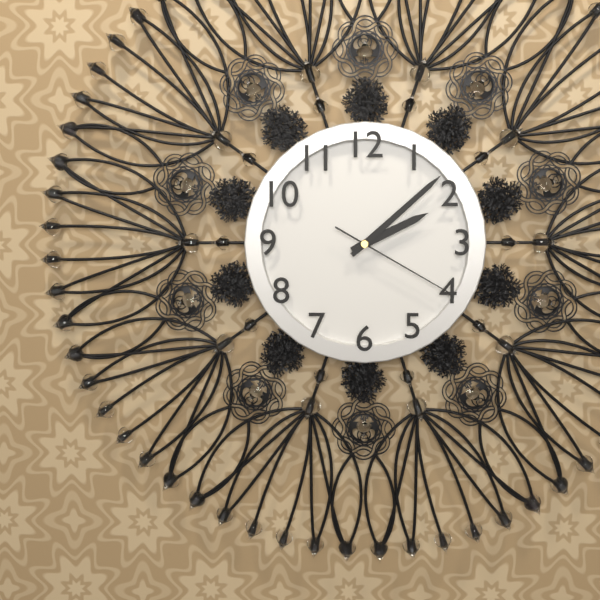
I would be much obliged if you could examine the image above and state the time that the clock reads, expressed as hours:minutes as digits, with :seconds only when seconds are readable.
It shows 2:08:20
